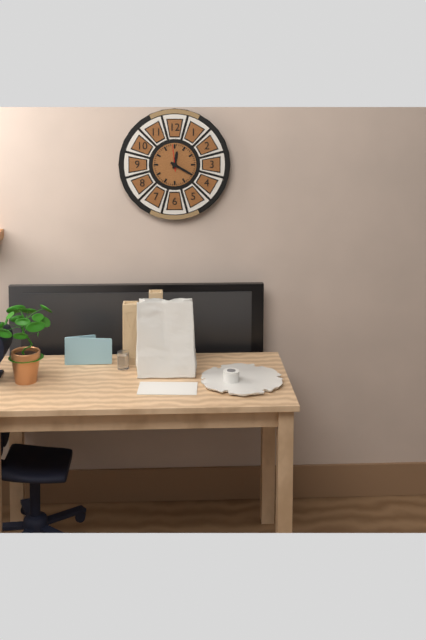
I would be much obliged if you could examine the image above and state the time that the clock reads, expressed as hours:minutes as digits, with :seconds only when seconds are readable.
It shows 12:20
